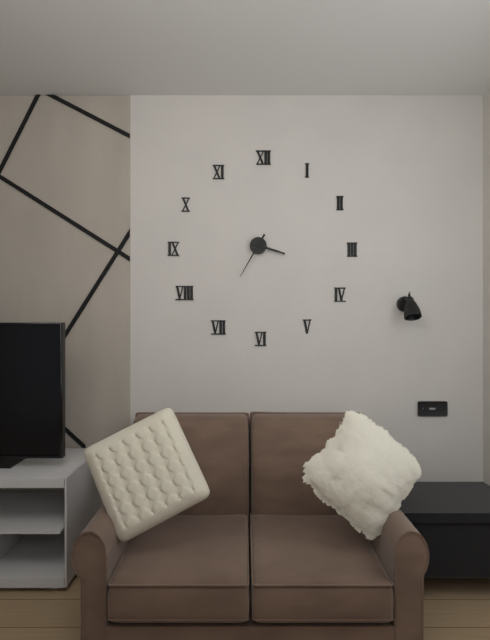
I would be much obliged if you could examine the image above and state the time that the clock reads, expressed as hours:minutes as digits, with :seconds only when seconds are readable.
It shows 3:35
